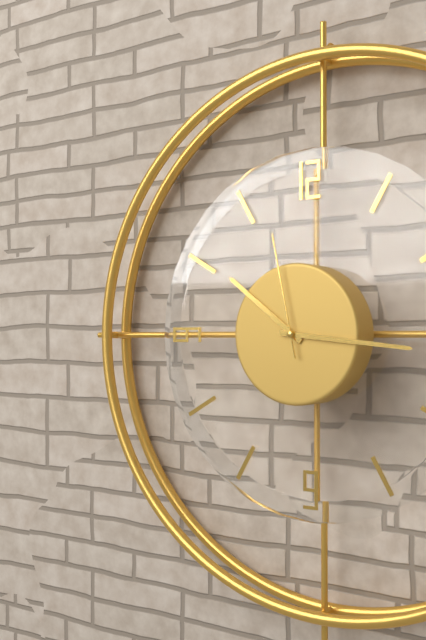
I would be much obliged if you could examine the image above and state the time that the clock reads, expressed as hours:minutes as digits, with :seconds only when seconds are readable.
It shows 10:16:58
